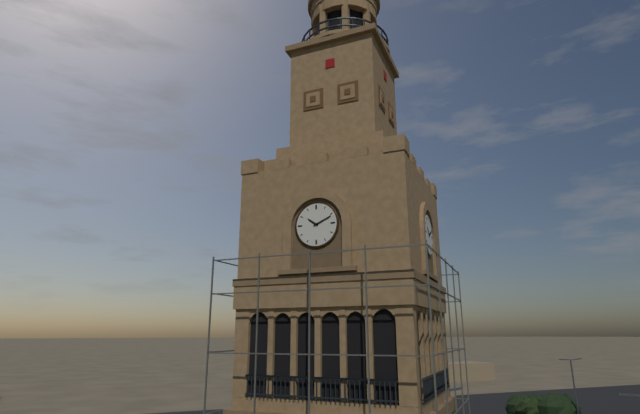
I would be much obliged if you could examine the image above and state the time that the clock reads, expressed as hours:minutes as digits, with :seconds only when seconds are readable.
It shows 10:11
